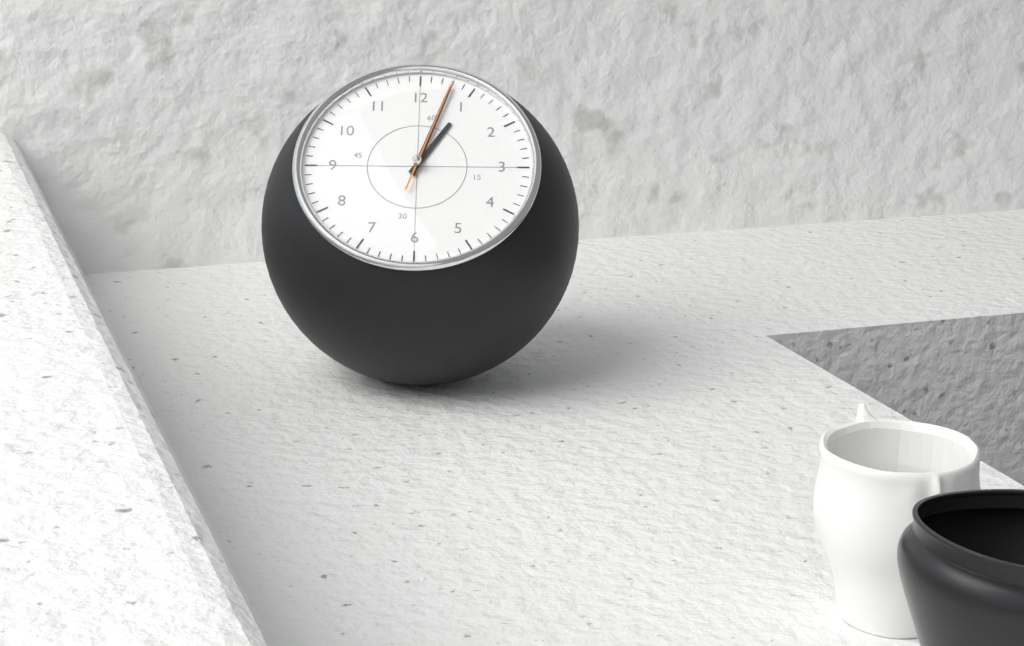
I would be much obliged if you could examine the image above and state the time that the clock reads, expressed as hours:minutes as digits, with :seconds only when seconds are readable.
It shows 1:03:03
